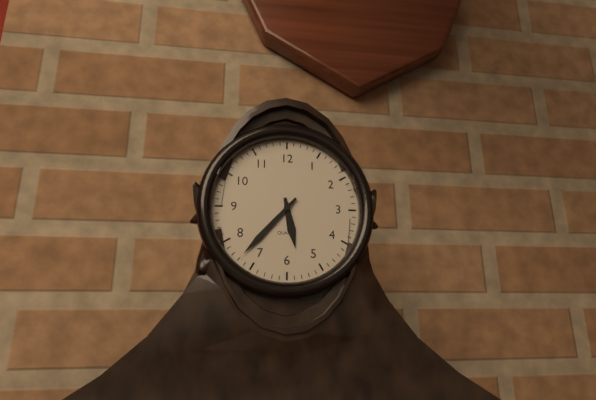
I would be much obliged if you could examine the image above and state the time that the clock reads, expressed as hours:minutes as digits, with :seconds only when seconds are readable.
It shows 5:37
